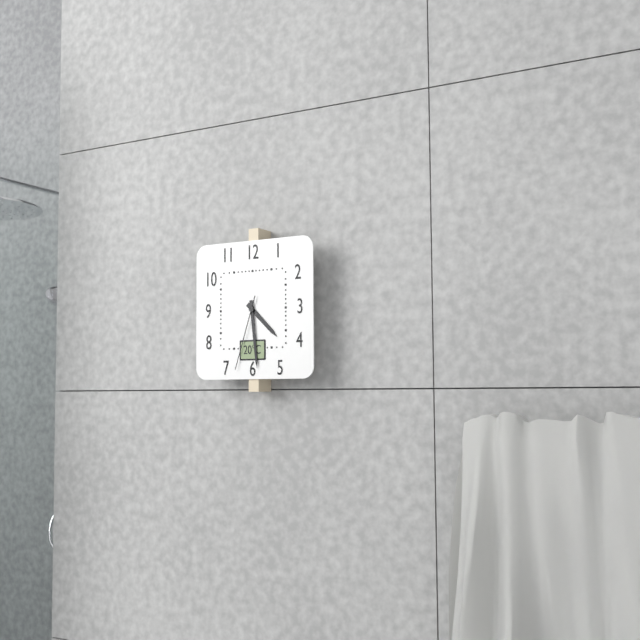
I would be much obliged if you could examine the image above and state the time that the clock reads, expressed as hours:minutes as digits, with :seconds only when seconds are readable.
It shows 4:29:33
